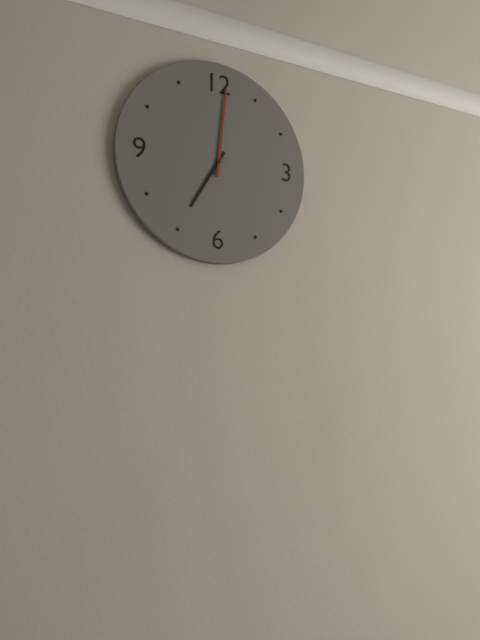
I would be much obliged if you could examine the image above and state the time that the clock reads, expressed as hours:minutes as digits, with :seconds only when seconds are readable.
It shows 7:01
